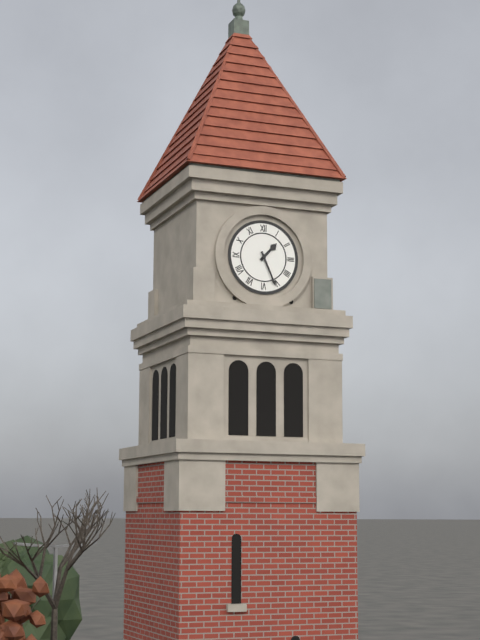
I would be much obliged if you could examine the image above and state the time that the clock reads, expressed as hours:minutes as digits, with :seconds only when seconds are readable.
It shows 1:26
